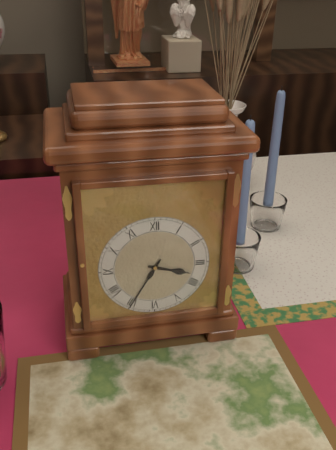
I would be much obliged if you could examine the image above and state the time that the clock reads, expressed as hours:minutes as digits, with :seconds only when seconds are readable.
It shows 3:35
